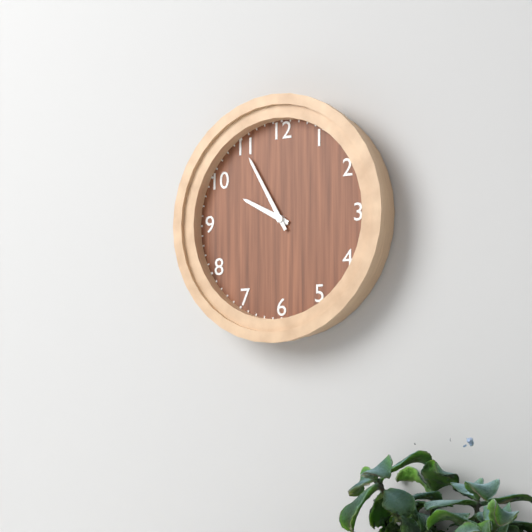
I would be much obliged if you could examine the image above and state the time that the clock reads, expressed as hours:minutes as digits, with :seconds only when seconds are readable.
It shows 9:55
